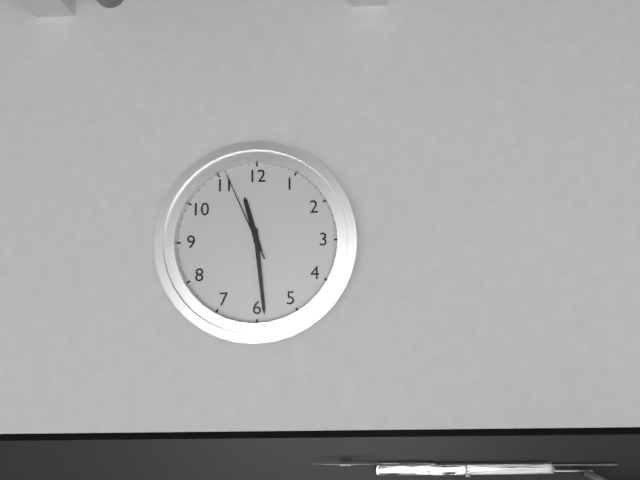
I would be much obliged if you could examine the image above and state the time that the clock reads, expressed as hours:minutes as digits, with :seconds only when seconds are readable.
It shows 11:29:56
